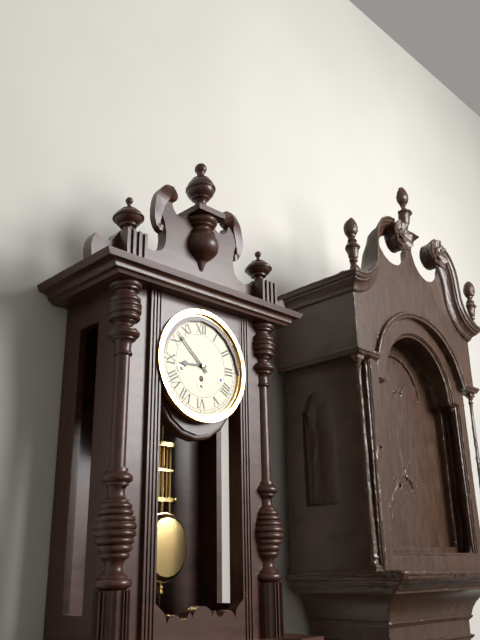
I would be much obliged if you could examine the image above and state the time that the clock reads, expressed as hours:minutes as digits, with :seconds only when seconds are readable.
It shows 8:52
